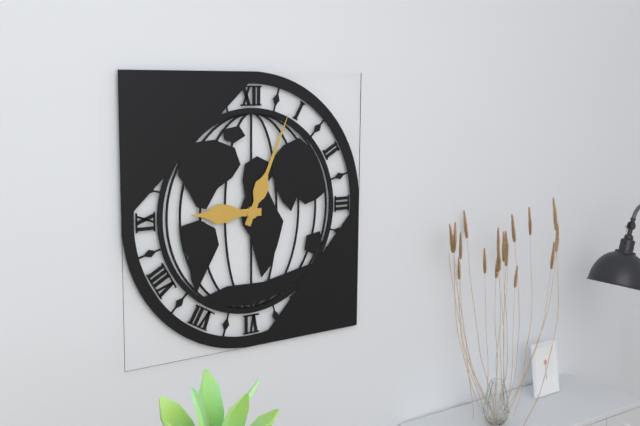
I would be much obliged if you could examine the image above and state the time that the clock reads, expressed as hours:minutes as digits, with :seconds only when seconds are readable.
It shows 9:04
